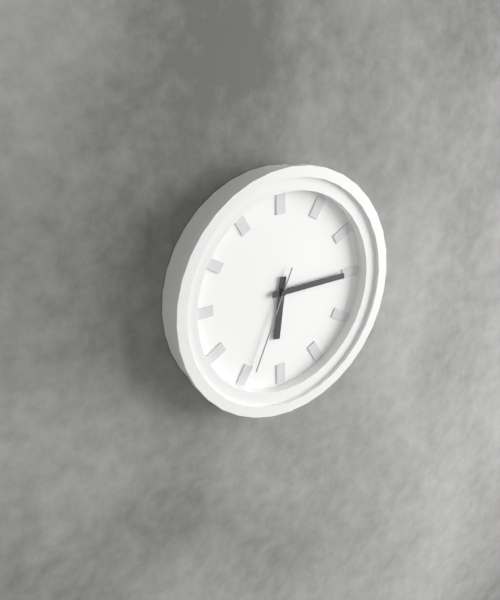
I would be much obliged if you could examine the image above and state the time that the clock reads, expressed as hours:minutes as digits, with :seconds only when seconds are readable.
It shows 6:15:34
